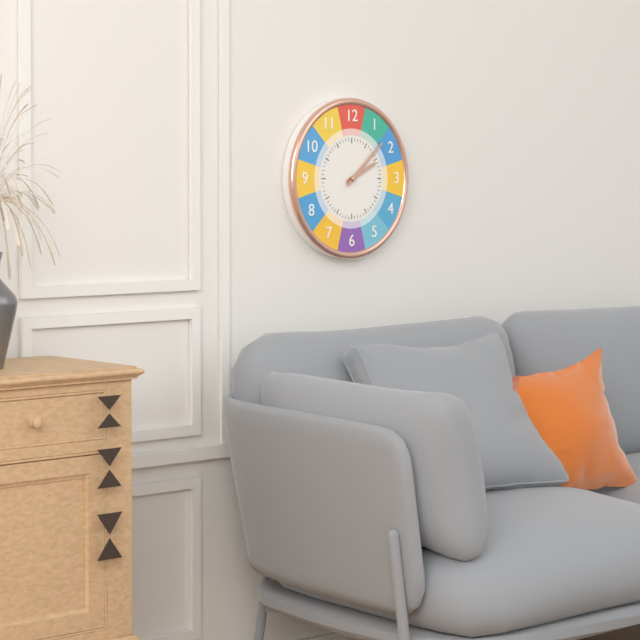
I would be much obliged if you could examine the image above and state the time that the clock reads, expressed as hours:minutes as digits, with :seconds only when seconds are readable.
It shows 2:08
